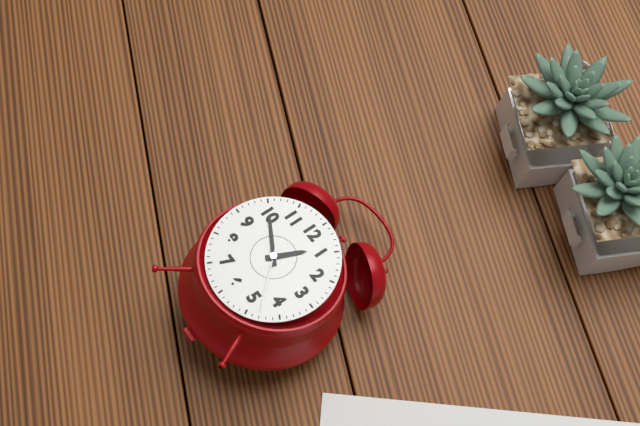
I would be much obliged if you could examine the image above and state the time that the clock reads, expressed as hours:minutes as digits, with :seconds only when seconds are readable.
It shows 12:50:23
